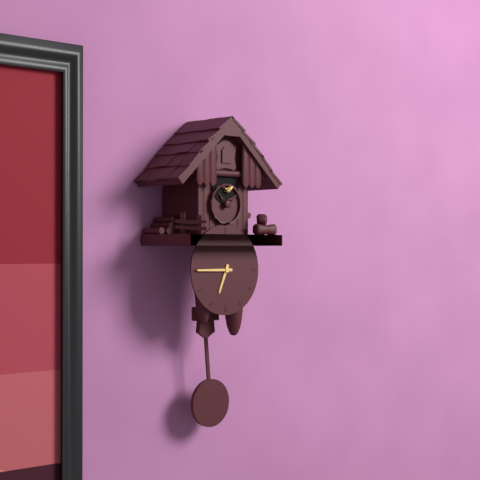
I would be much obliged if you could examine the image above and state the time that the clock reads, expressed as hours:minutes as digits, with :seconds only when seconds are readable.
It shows 6:45
